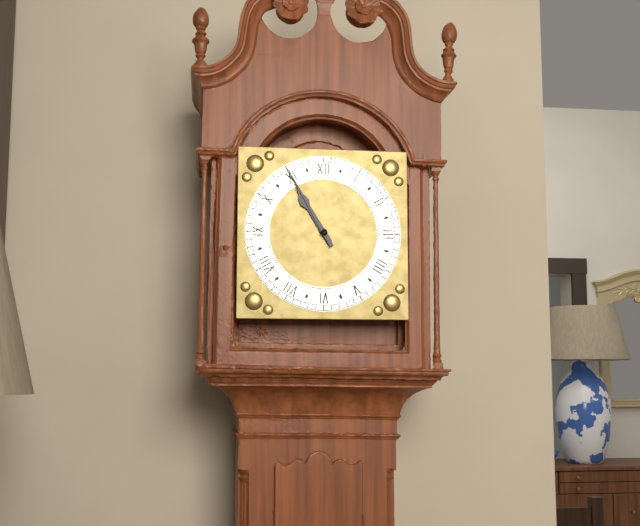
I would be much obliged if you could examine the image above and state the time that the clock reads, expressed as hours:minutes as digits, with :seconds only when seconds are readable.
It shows 10:55
